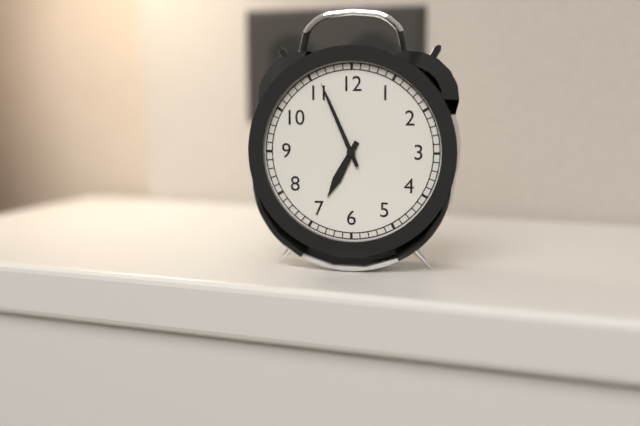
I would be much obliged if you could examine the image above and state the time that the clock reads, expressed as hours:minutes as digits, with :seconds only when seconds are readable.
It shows 6:56
